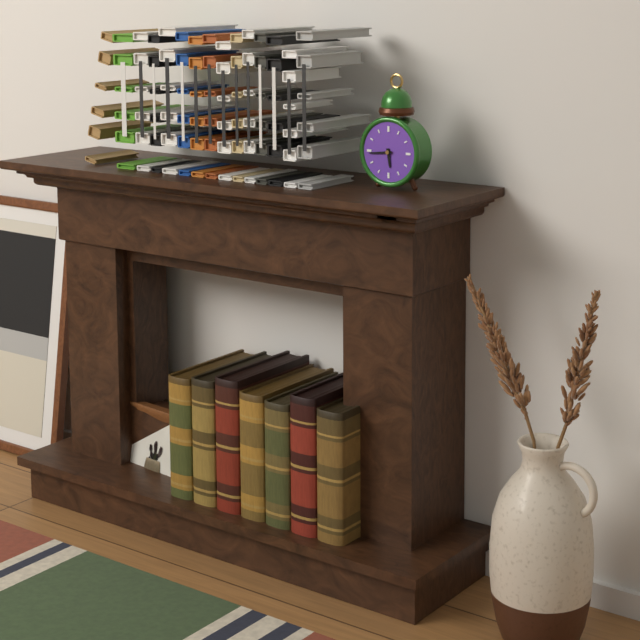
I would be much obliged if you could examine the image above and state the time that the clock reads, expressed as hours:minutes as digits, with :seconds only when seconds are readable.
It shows 5:44
